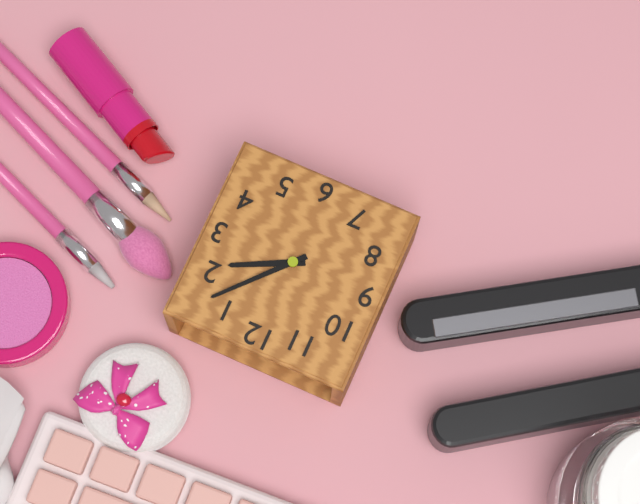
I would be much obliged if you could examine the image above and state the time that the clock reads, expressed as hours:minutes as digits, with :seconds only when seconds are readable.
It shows 2:07
